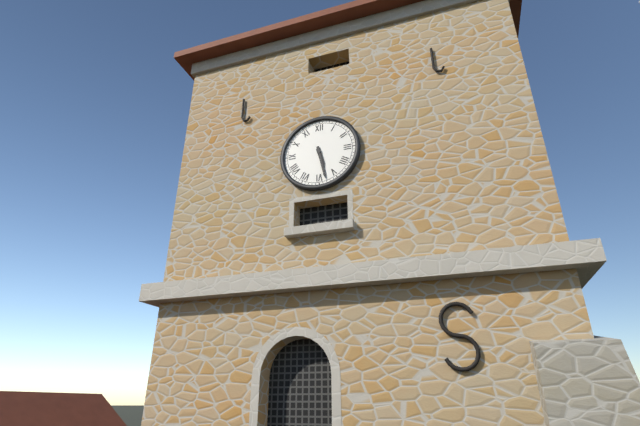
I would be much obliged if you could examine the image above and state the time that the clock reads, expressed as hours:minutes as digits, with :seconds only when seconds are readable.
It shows 5:28
